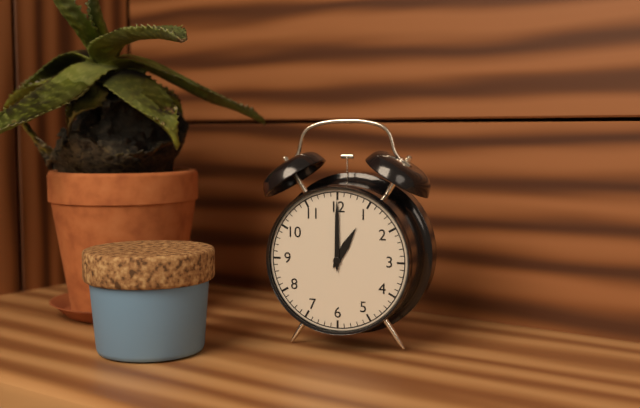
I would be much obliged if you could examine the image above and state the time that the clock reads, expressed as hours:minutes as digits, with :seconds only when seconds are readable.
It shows 1:00
